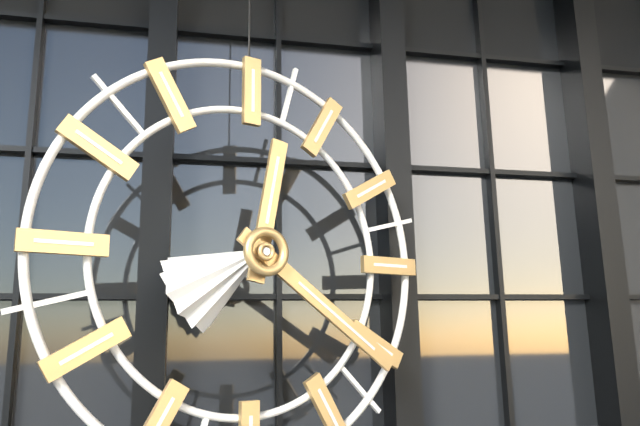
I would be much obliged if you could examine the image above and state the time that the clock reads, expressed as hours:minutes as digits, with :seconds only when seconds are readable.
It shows 12:21
